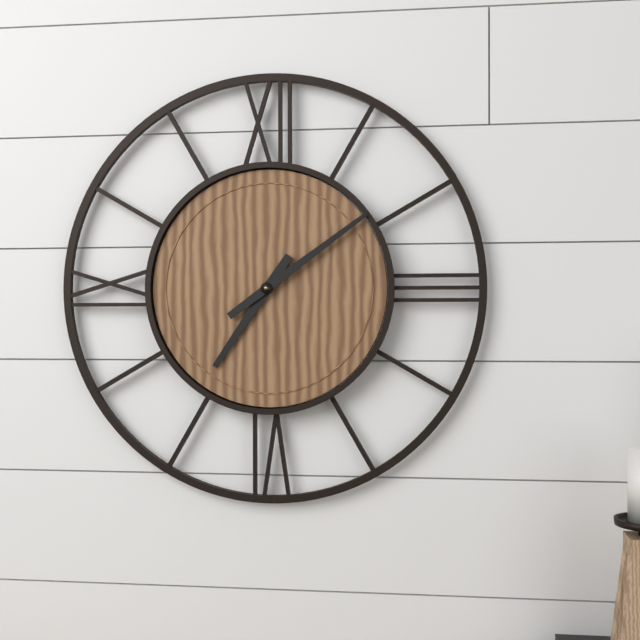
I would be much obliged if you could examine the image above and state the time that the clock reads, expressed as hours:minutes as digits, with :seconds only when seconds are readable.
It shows 7:09
